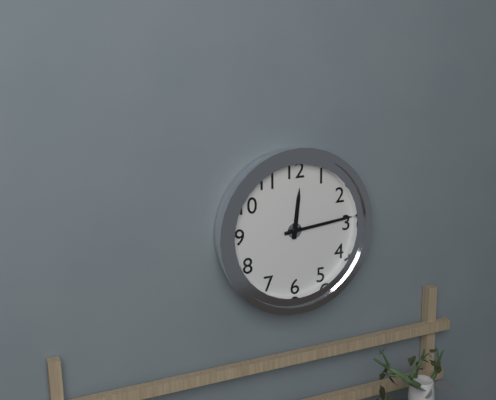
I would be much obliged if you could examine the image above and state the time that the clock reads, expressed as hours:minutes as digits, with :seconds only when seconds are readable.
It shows 12:14
